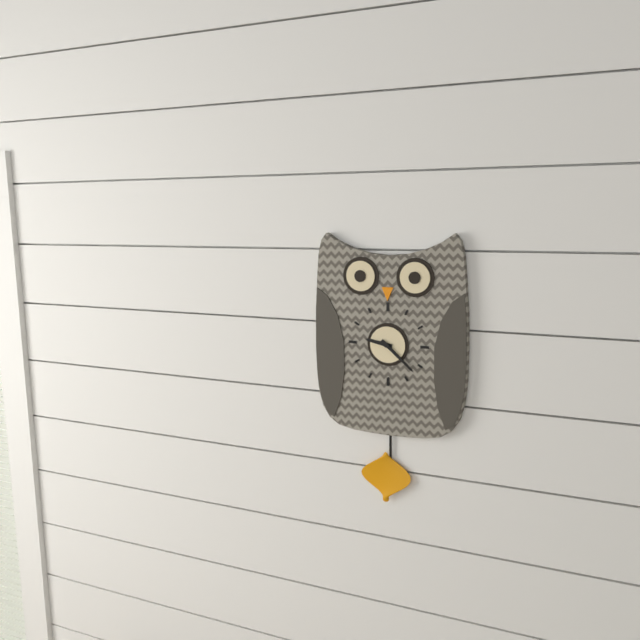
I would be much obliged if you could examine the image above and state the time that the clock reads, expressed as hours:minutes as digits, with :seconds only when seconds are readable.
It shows 9:22
